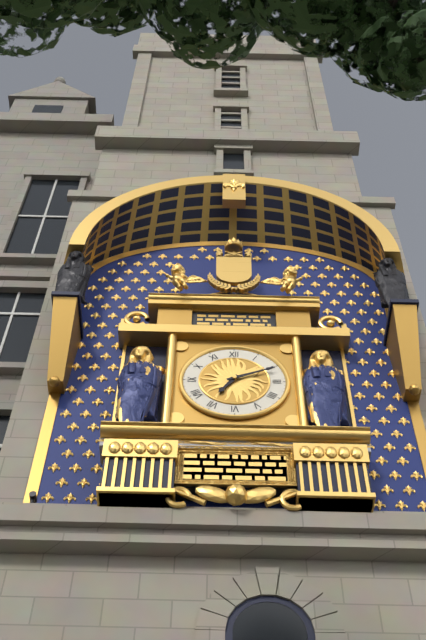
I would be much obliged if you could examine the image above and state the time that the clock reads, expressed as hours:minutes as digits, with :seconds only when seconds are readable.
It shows 7:11
